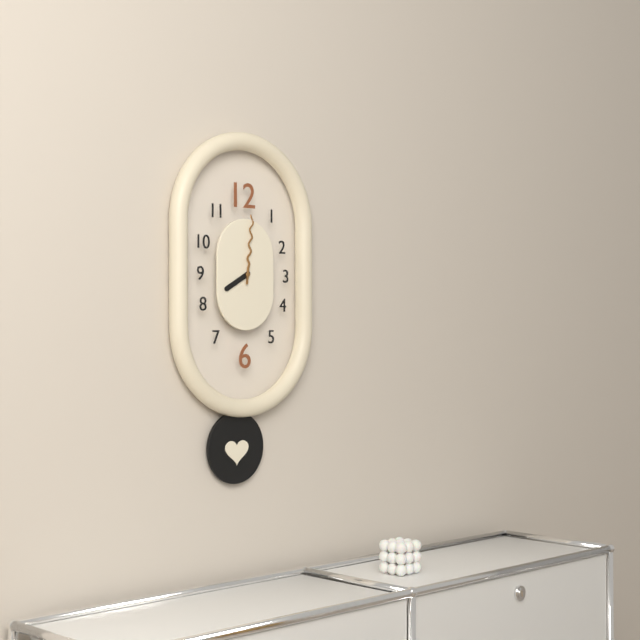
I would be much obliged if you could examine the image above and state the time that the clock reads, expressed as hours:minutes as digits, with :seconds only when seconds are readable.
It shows 8:01
